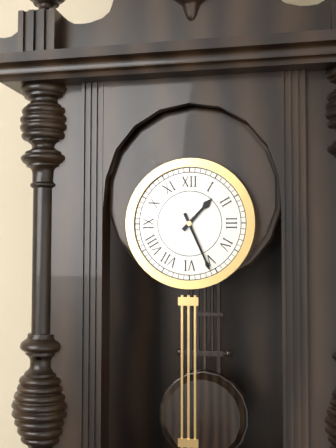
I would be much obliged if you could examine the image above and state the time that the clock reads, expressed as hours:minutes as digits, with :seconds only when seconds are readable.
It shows 1:26
